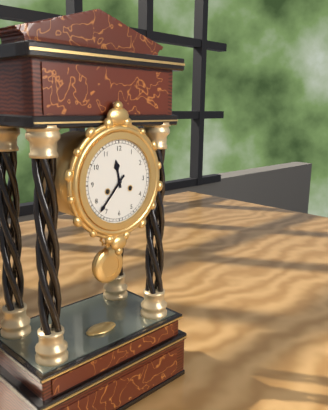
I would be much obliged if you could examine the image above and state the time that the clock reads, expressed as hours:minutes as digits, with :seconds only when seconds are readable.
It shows 11:37
